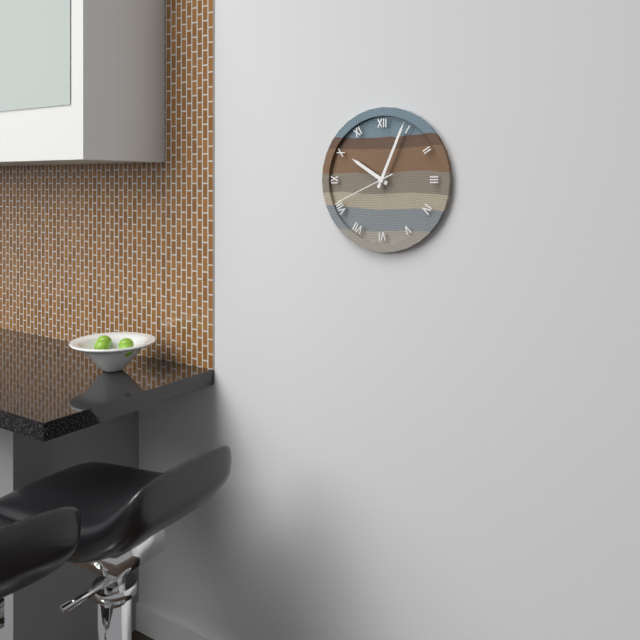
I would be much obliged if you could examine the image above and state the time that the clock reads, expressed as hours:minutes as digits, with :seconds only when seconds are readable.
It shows 10:04:41
